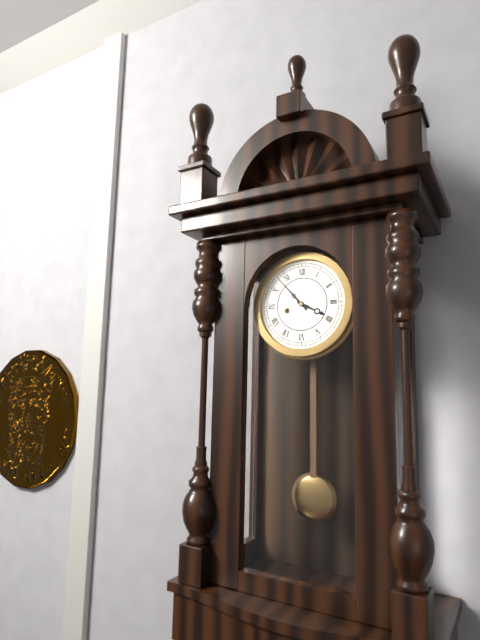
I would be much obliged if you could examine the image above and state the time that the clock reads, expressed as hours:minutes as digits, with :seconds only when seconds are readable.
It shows 3:53
